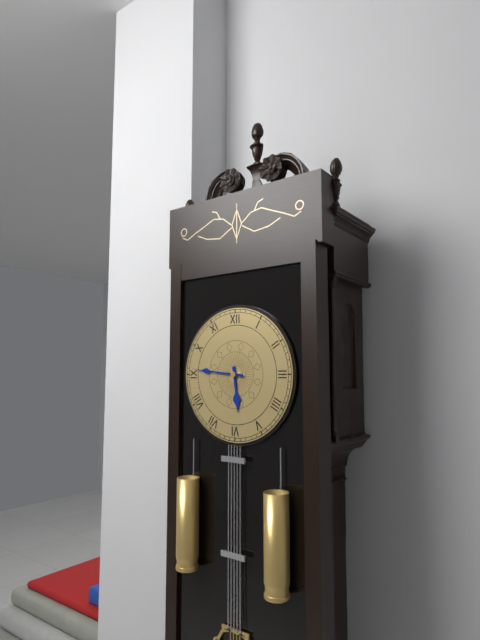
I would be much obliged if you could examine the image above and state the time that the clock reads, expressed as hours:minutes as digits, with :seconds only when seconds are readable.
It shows 5:46
